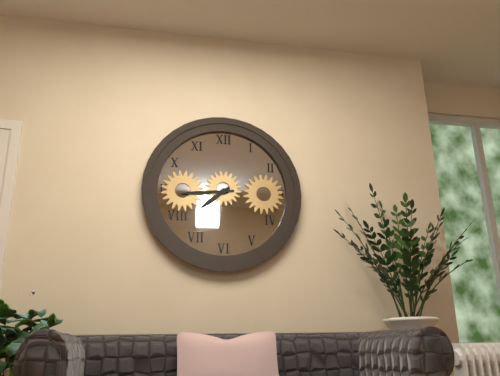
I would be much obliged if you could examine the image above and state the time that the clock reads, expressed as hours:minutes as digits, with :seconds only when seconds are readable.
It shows 7:44
